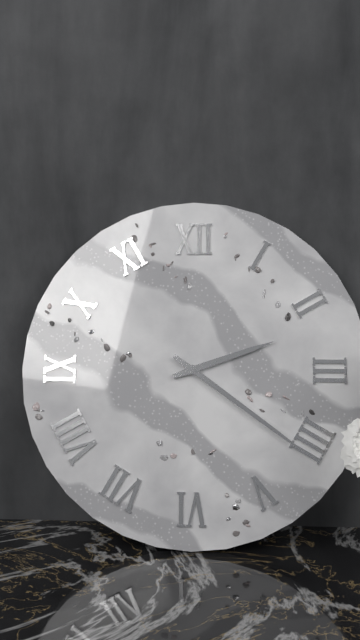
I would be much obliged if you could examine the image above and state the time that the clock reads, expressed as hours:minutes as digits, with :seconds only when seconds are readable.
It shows 2:21
